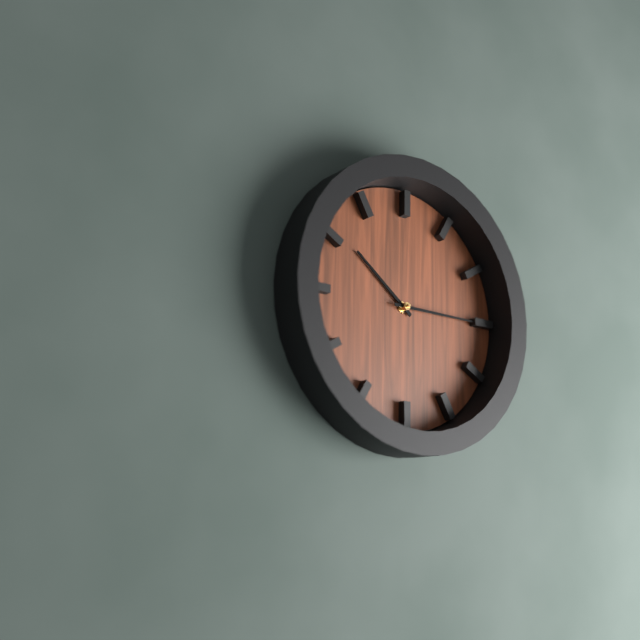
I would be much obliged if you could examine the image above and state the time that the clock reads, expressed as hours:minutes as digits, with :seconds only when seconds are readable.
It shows 10:15
